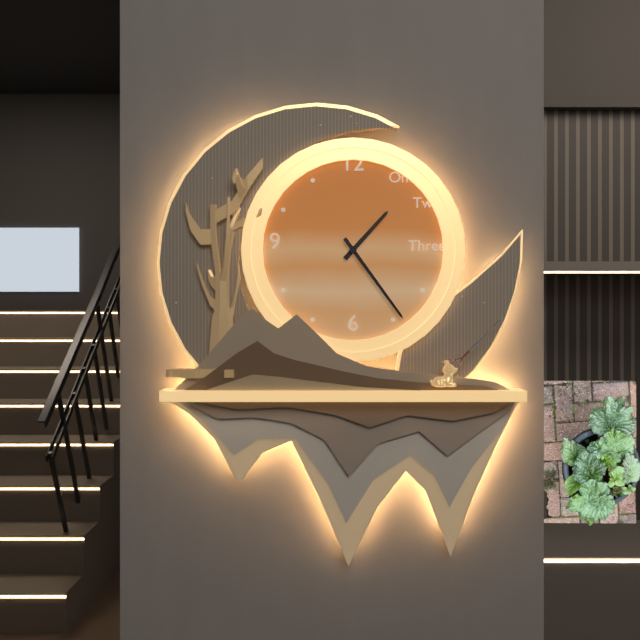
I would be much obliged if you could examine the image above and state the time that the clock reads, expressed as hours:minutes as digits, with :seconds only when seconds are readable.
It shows 1:24
